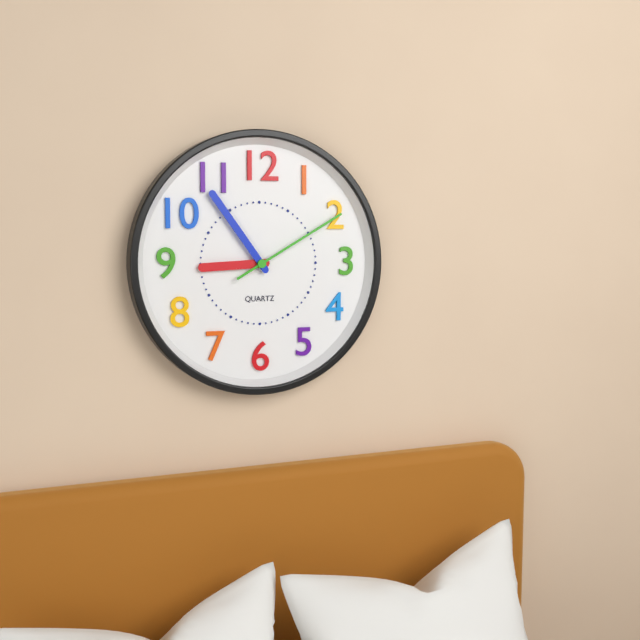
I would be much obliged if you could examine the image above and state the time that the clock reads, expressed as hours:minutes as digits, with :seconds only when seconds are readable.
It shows 8:54:10
